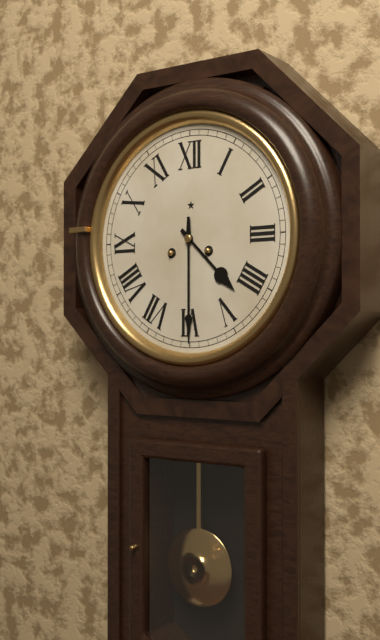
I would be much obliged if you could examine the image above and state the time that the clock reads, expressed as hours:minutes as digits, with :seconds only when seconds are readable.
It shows 4:30
